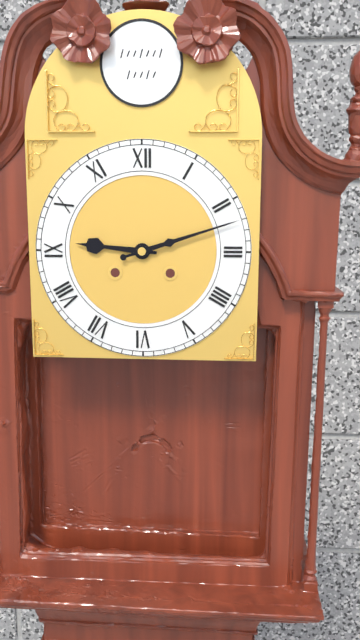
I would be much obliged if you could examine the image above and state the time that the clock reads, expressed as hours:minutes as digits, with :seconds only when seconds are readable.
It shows 9:12
